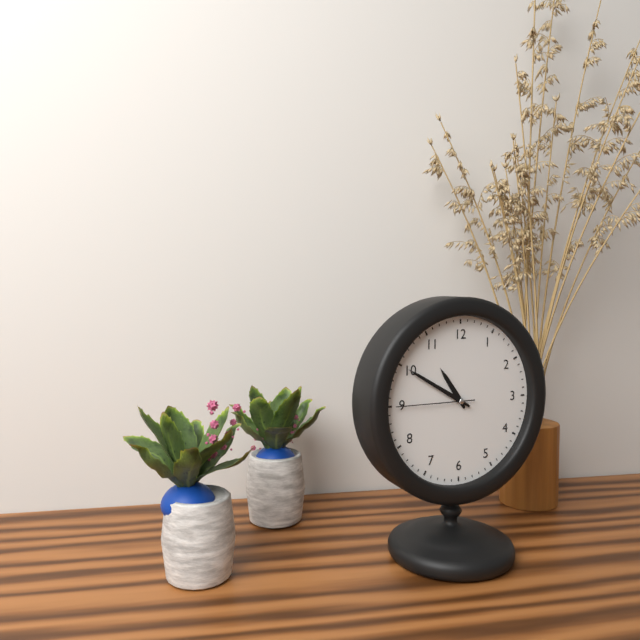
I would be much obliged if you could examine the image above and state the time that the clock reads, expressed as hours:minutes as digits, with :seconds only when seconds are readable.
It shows 10:50:45
